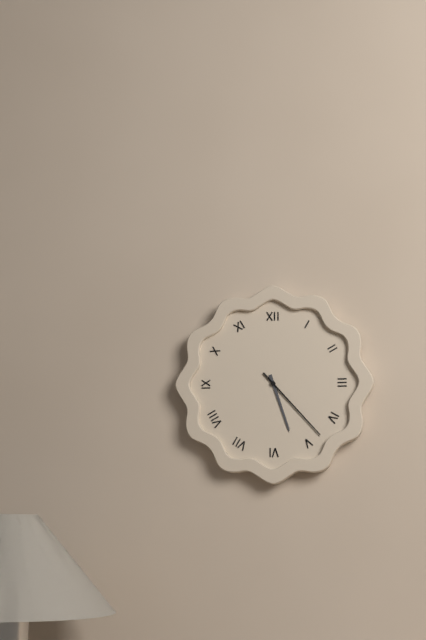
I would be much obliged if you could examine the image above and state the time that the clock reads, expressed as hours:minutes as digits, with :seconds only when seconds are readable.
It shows 5:23
